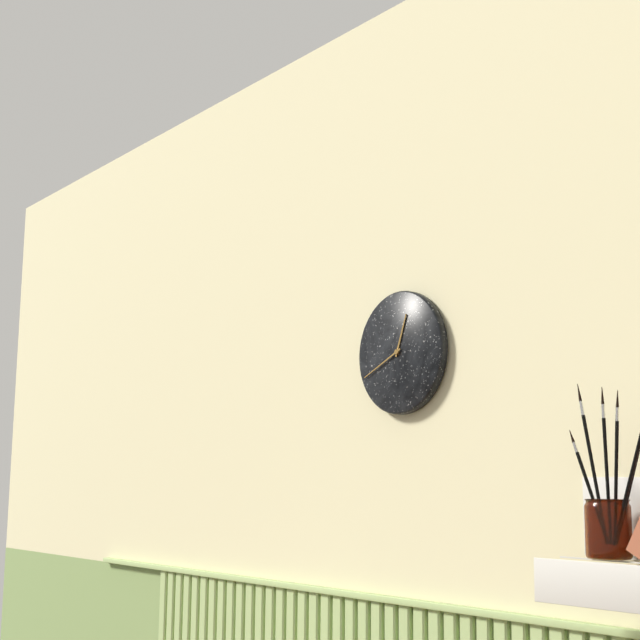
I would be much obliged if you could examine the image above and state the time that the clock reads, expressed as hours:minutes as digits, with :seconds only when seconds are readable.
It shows 12:41
